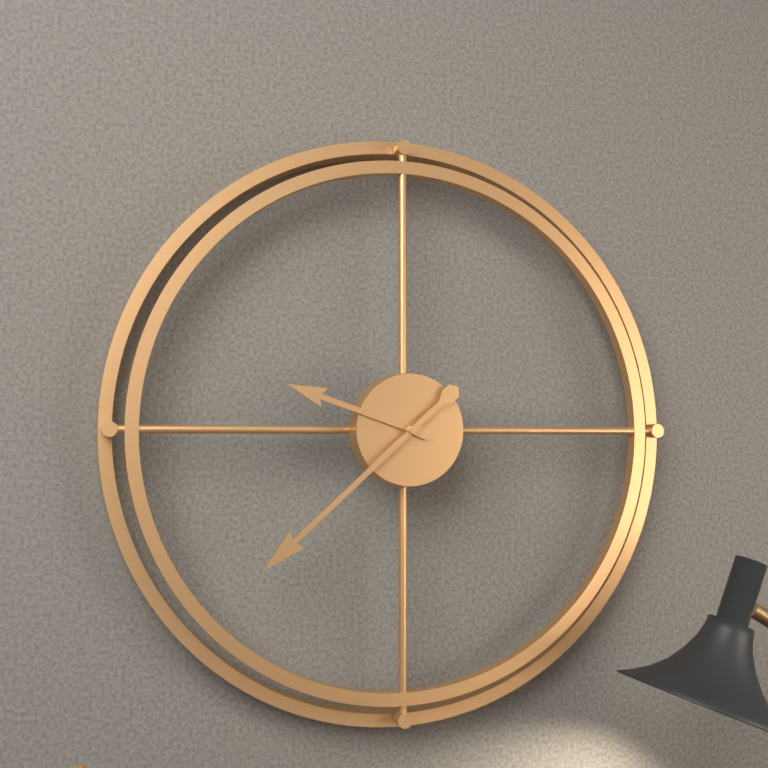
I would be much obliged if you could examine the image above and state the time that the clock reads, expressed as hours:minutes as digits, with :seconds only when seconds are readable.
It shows 9:38
